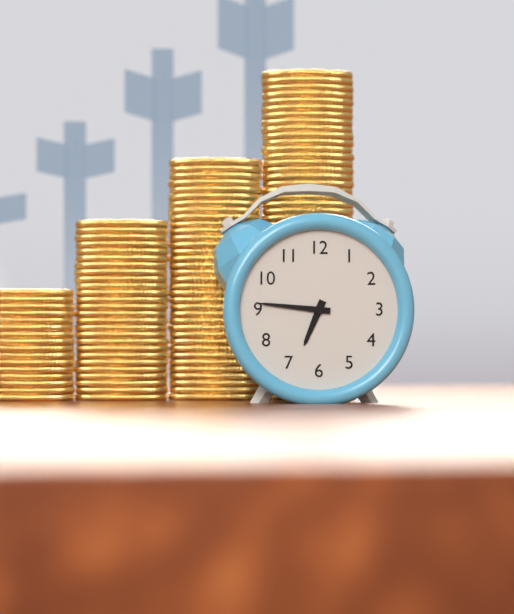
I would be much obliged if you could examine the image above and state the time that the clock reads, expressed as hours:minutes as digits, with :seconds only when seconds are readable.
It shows 6:46
